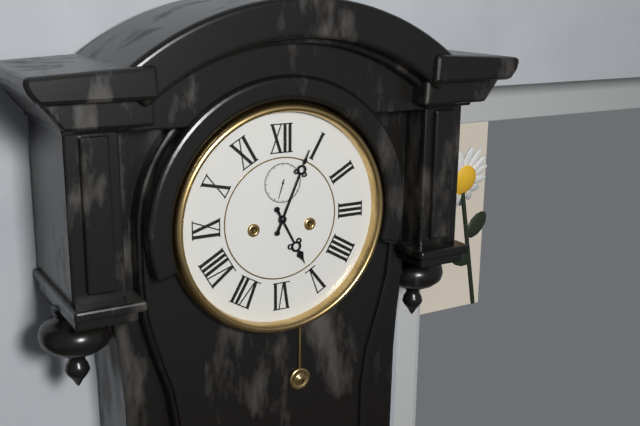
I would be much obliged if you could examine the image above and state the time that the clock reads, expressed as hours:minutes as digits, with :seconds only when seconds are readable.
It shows 5:04
